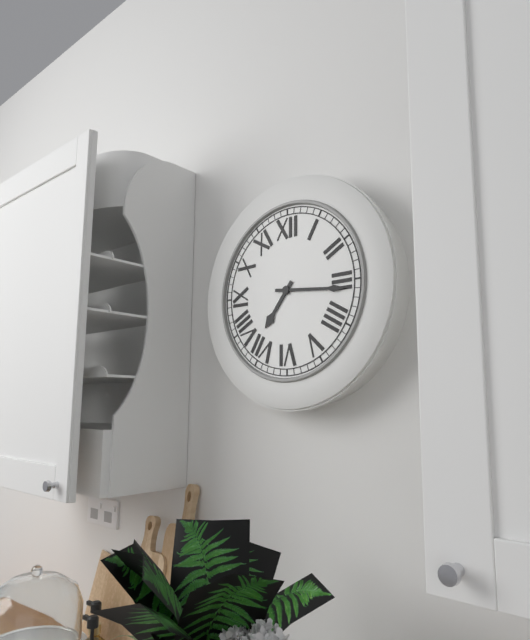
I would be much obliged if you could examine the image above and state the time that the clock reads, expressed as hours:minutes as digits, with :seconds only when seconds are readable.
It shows 7:16
